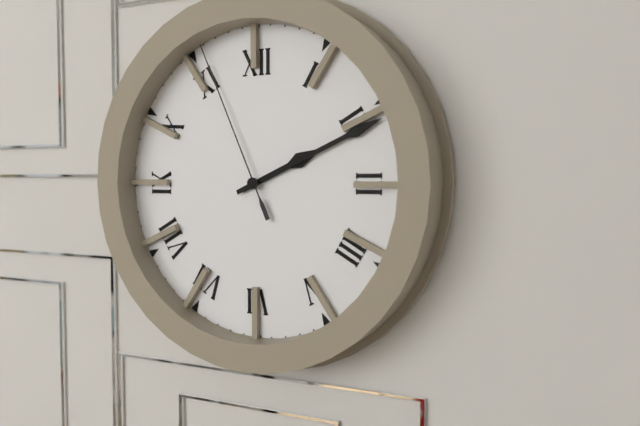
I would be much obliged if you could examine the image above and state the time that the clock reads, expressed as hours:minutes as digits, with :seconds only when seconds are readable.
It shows 2:11:56
